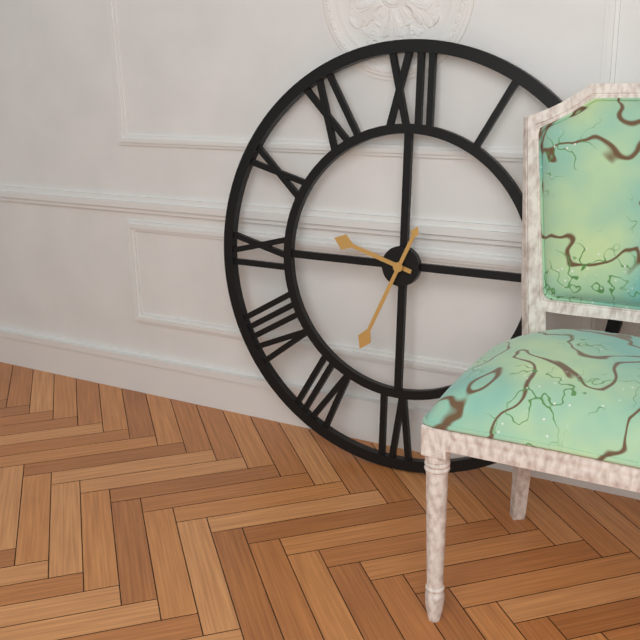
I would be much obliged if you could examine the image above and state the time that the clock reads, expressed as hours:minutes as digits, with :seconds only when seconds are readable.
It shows 9:34
